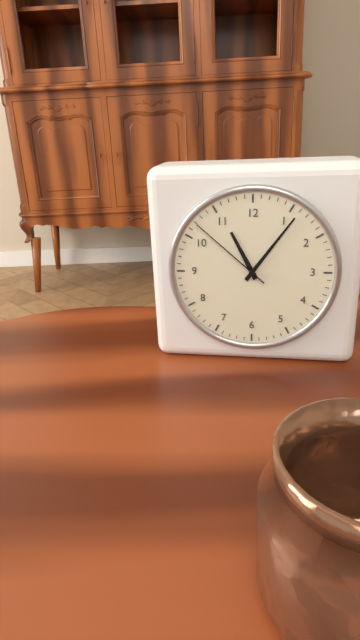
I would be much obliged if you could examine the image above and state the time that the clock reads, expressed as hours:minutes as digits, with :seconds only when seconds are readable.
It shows 11:06:52
